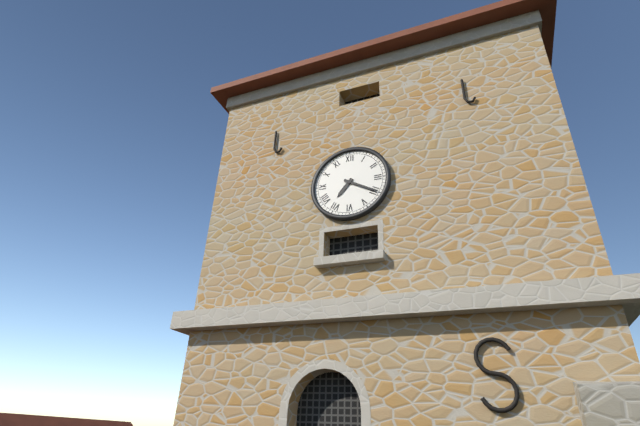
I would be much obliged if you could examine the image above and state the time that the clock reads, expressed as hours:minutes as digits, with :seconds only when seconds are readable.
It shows 7:20
